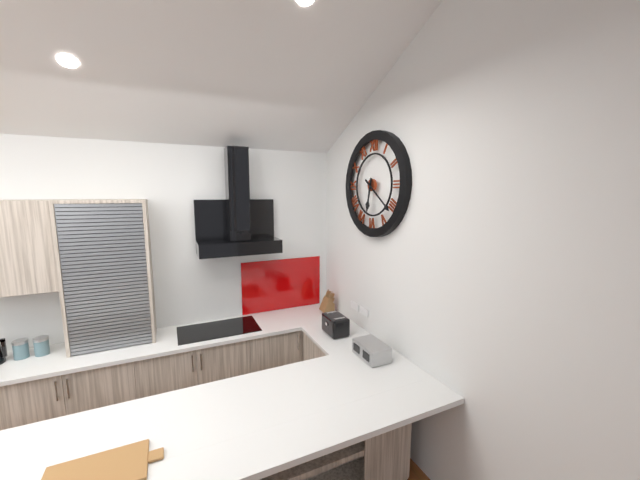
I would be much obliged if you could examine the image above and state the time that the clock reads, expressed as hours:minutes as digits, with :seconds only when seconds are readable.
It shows 6:21
